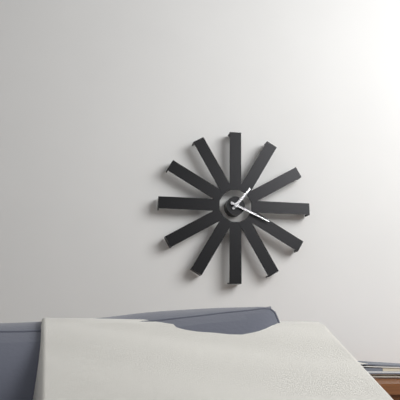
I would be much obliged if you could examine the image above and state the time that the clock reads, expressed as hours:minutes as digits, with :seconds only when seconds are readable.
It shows 1:19
